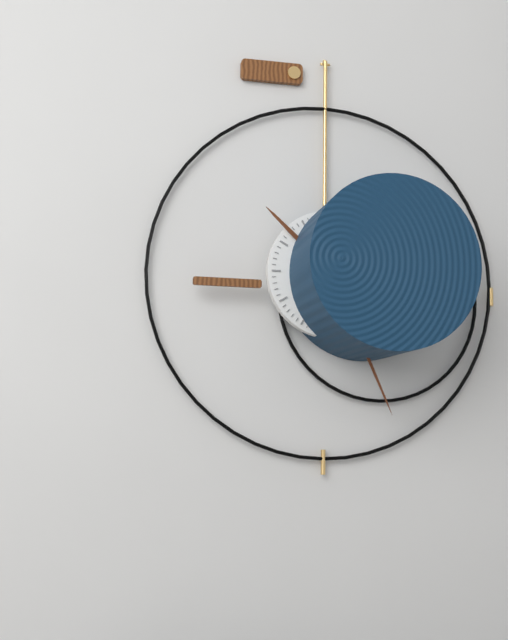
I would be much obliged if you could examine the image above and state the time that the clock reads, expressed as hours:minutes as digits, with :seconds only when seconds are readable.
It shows 10:26
